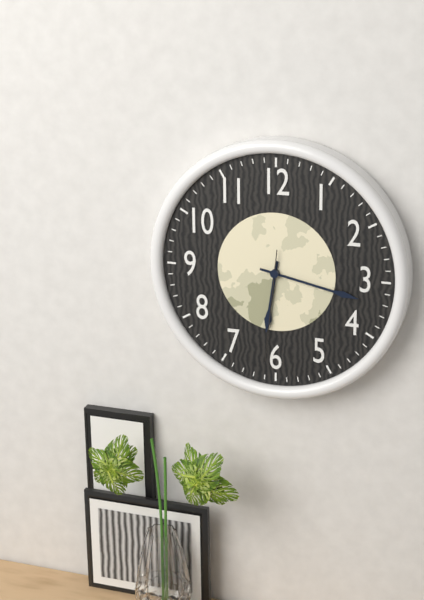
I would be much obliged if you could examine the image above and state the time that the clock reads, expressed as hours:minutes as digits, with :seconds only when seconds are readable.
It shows 6:17:31
